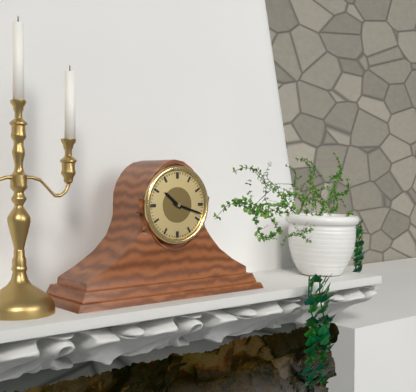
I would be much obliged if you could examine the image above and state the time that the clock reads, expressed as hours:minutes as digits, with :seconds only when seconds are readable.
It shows 10:18
